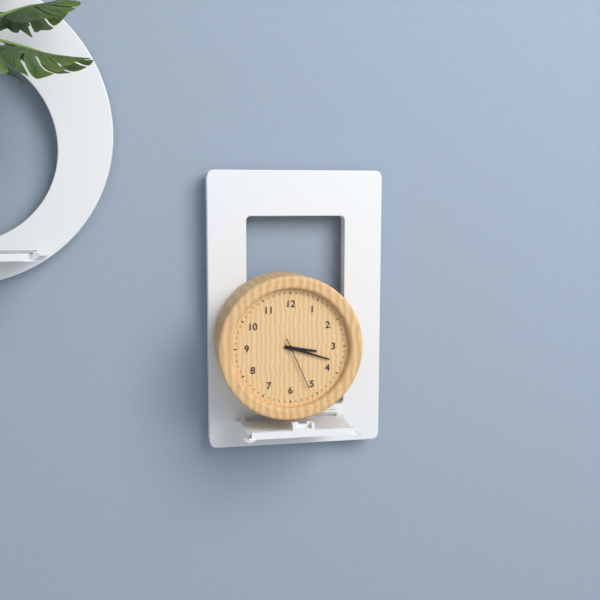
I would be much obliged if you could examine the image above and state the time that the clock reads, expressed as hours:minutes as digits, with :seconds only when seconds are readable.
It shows 3:18:26
